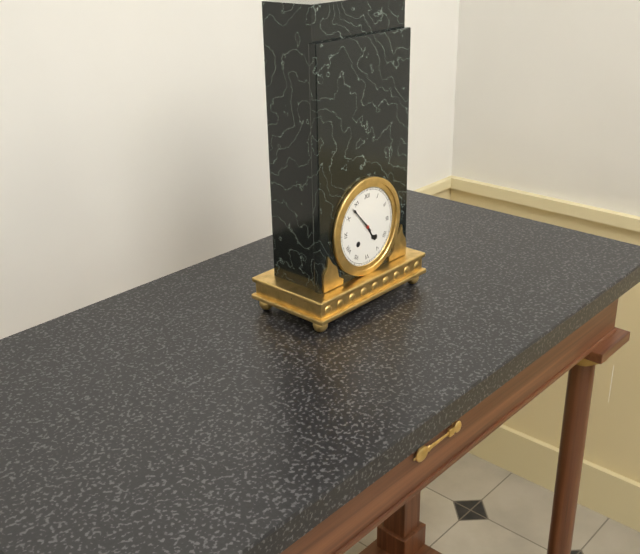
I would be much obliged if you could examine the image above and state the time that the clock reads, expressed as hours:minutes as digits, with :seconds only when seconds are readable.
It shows 4:53
